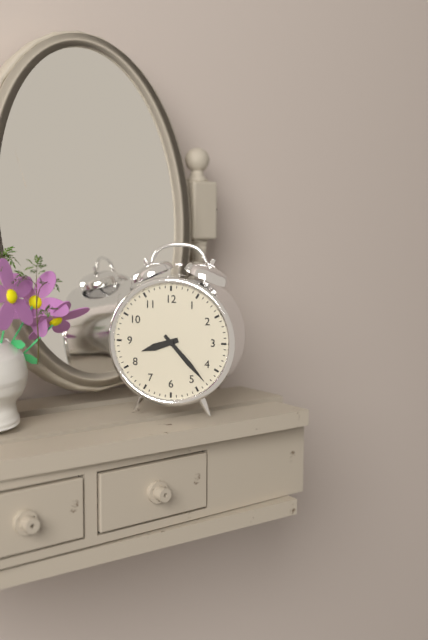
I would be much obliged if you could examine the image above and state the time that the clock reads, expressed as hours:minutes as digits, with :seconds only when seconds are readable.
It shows 8:23
